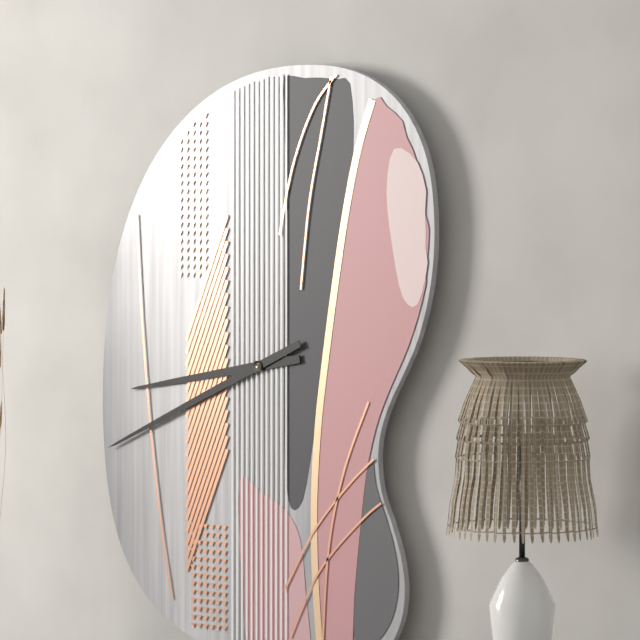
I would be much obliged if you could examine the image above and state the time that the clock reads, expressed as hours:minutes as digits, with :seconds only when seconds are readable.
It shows 8:41
